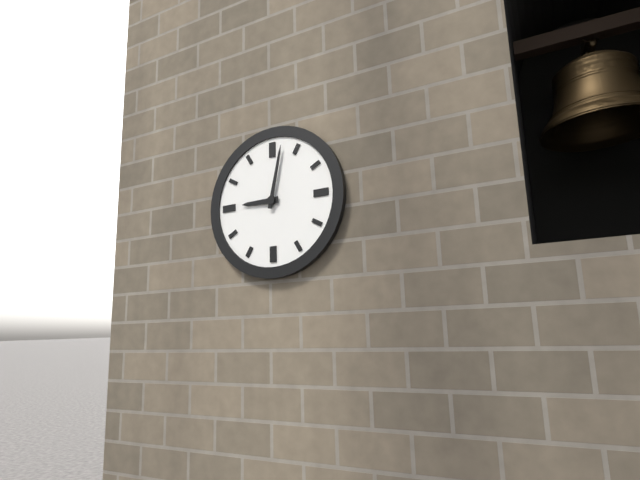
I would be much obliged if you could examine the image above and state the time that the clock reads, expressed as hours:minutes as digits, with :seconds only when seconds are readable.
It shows 9:02
